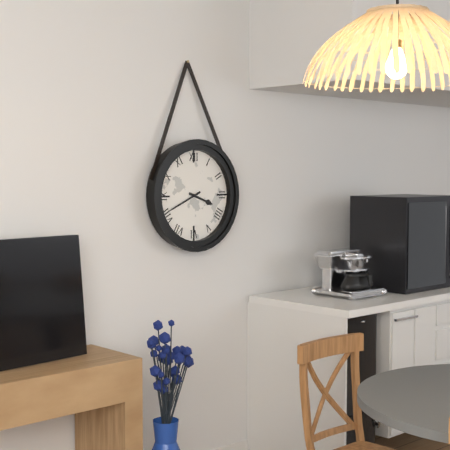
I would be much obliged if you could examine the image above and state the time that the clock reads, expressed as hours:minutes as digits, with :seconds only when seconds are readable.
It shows 3:41
